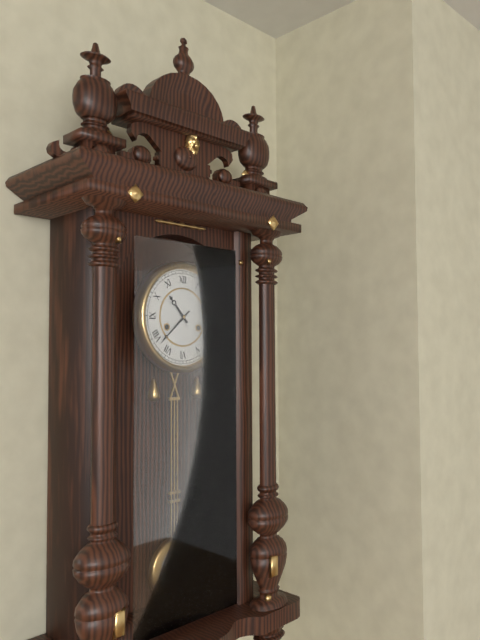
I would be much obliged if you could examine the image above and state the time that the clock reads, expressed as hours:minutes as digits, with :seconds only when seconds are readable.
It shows 10:38
